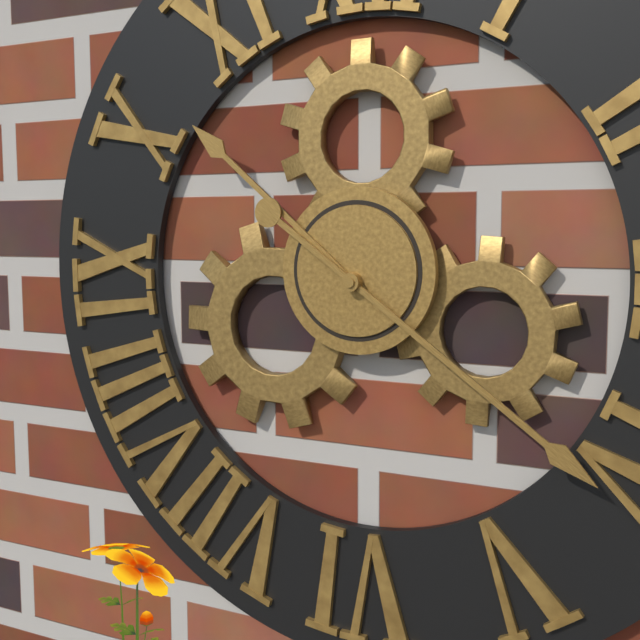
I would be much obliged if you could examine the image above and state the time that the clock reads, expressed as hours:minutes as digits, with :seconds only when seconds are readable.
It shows 10:21
